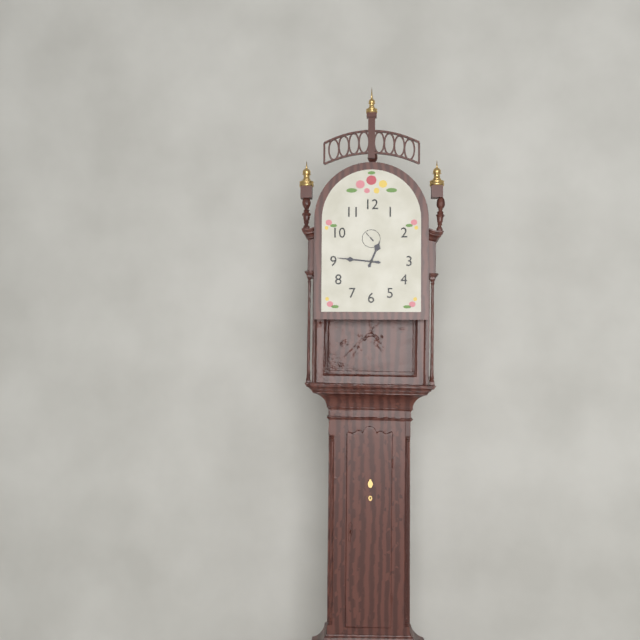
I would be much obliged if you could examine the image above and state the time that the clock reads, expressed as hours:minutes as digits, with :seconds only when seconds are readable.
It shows 12:46
